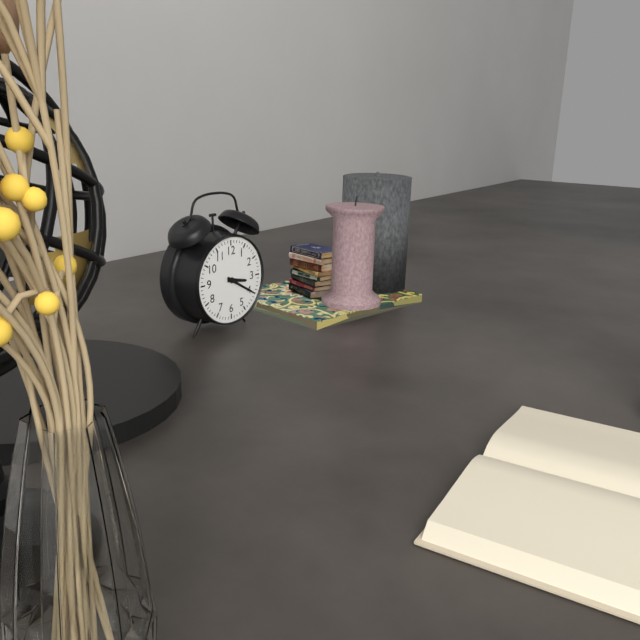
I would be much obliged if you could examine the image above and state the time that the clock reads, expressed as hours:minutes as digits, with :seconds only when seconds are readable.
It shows 3:20
